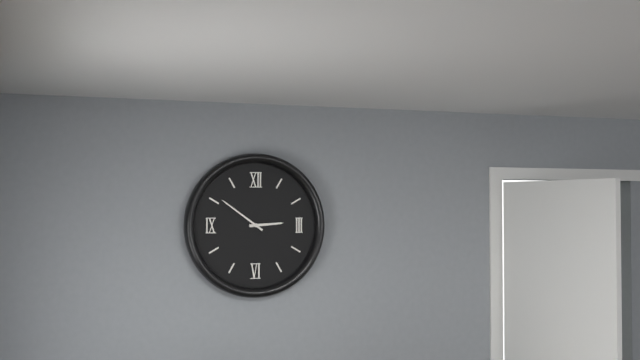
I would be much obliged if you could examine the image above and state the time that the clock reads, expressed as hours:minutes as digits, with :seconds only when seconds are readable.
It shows 2:51
